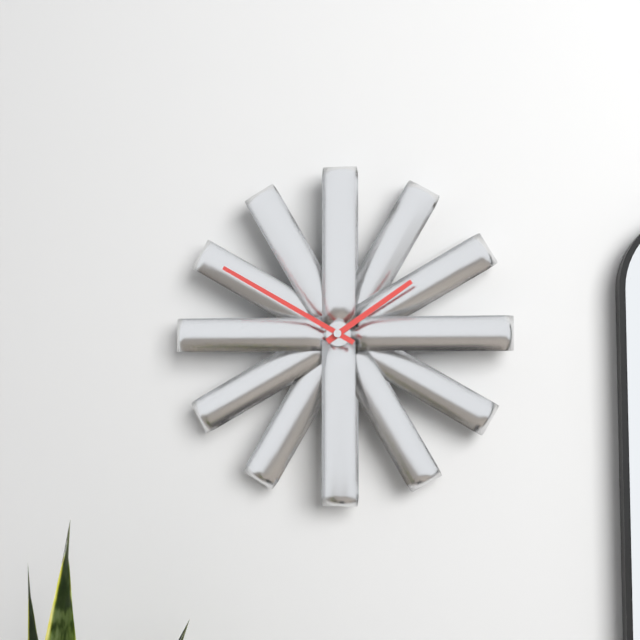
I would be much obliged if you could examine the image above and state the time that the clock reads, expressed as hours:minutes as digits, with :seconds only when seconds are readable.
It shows 1:50
